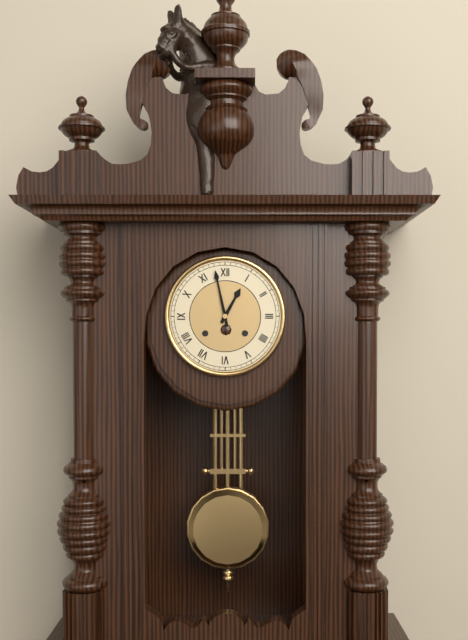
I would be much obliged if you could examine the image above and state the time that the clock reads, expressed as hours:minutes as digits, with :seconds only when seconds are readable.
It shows 12:58
